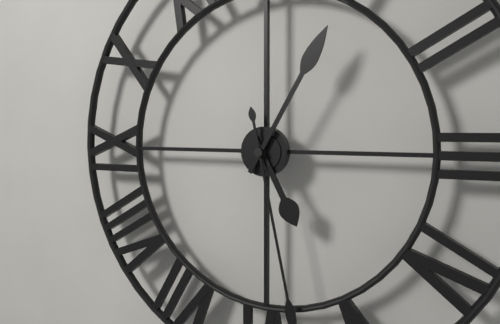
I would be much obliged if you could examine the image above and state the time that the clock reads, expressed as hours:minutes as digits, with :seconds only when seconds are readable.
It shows 5:05
